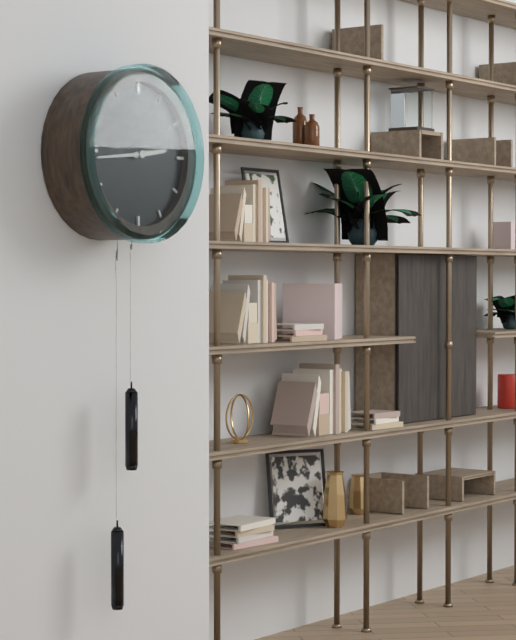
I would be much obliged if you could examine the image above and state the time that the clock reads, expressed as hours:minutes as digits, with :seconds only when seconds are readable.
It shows 2:44
